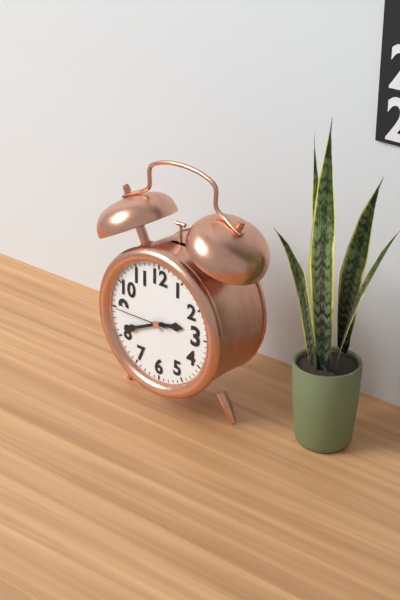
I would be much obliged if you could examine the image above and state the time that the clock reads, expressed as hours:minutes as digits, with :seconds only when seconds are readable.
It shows 2:41:45
